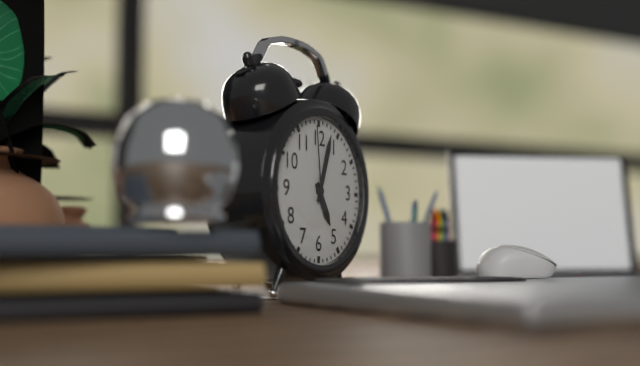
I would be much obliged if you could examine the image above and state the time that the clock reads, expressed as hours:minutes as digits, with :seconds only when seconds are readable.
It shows 5:03:59
